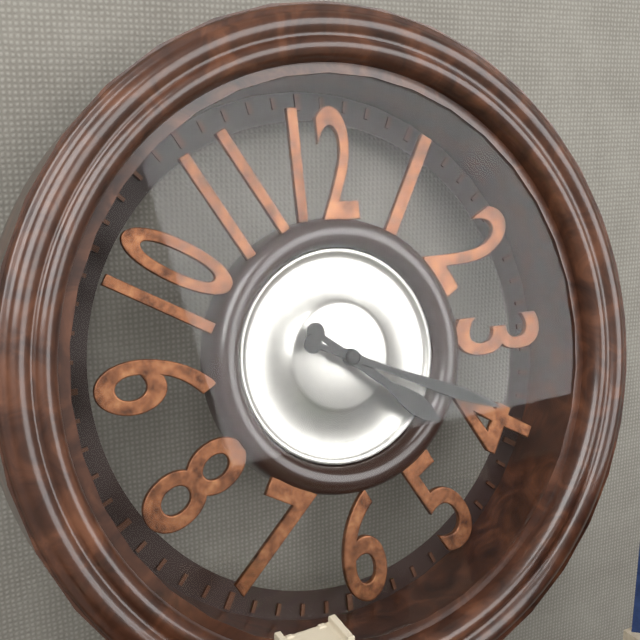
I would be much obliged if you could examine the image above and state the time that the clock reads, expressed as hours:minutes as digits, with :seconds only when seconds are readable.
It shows 4:19
